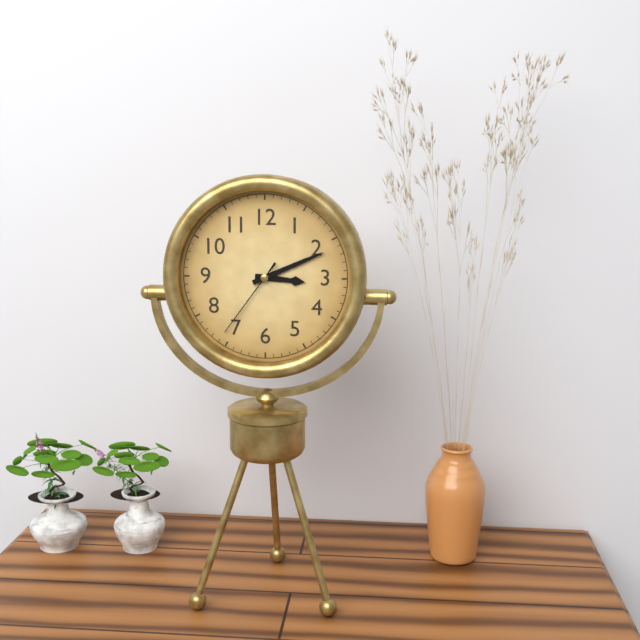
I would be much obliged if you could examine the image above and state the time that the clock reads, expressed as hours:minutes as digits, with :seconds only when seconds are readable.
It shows 3:11:36
